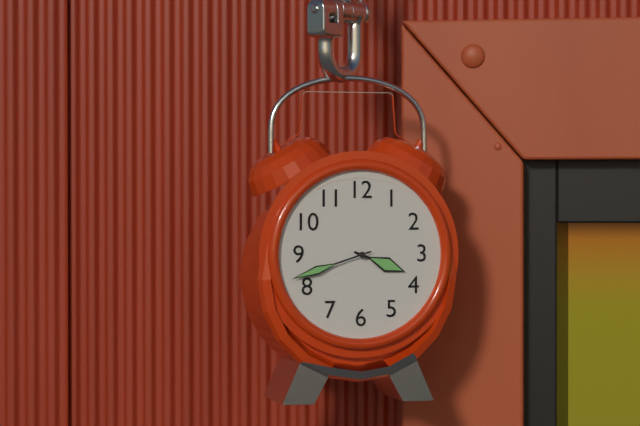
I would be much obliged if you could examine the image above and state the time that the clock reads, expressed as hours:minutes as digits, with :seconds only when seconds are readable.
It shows 3:42
